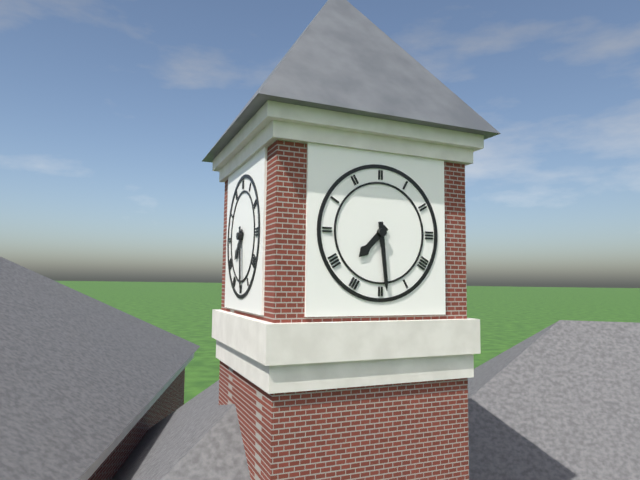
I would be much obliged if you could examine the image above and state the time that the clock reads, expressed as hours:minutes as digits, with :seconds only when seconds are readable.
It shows 7:29
